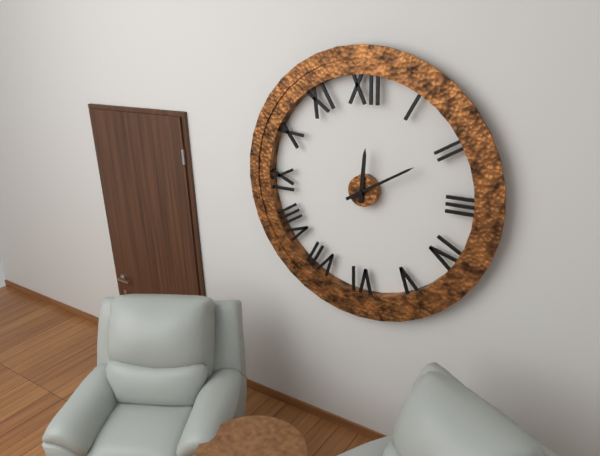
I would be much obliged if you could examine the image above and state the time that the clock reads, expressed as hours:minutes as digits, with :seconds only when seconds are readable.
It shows 12:10
